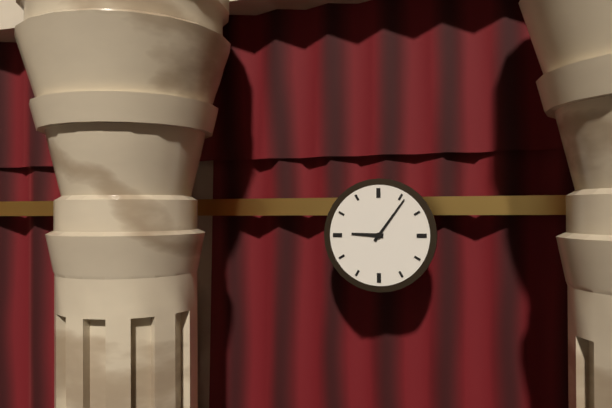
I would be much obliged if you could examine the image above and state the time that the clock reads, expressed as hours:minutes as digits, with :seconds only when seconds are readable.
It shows 9:06
